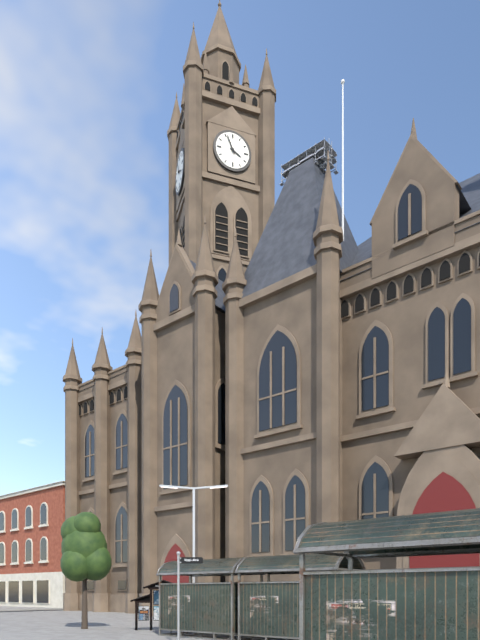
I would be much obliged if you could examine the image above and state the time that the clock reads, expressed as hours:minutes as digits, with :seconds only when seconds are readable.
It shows 3:56
